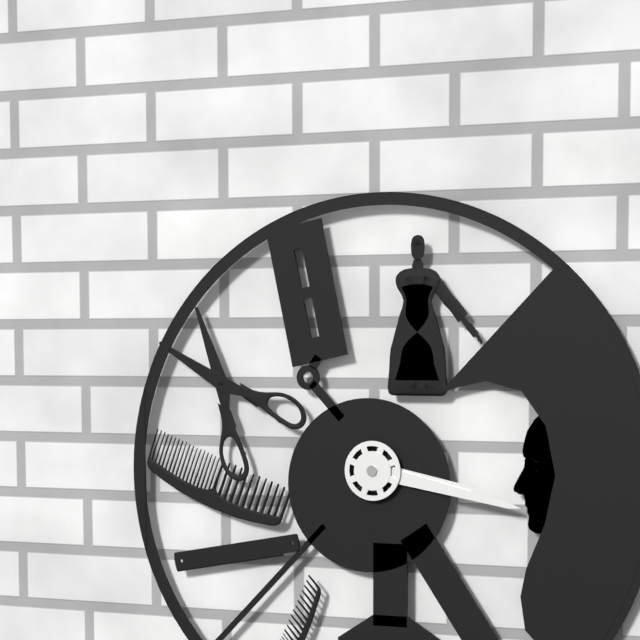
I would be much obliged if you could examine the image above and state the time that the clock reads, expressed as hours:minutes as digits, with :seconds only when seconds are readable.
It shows 3:17
